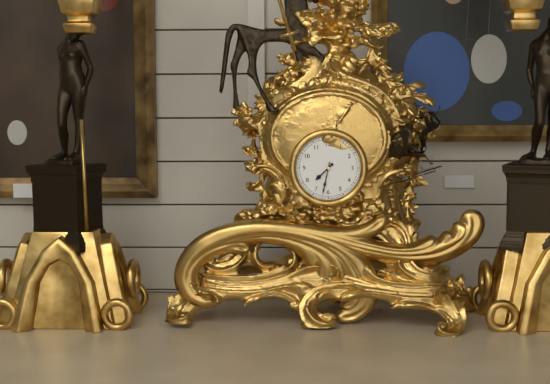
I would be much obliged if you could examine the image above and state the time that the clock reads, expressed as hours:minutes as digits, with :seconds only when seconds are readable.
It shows 7:32
